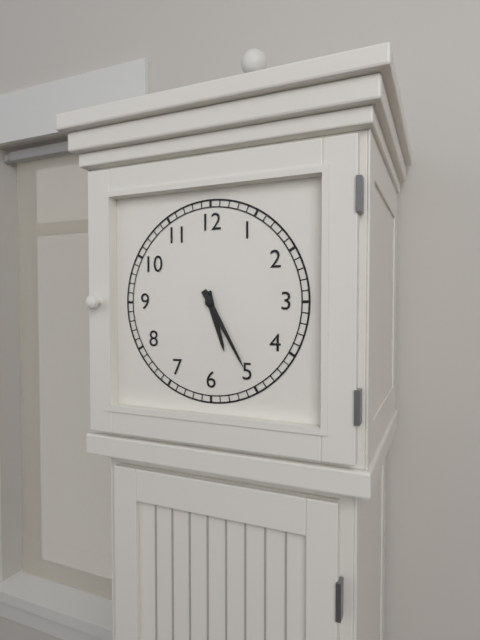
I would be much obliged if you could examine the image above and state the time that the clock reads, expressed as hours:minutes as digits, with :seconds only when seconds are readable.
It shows 5:25
